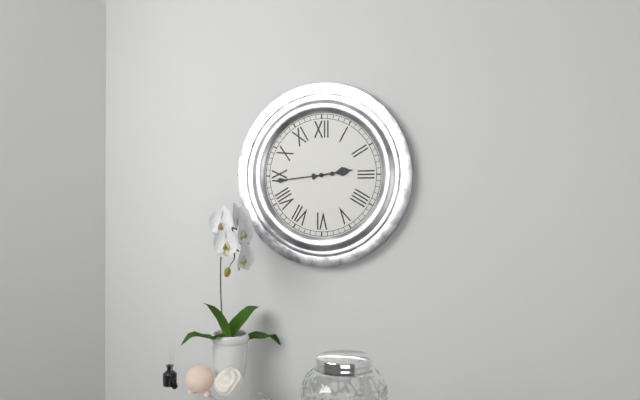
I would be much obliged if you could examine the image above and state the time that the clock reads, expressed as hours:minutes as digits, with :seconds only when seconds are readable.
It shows 2:44
